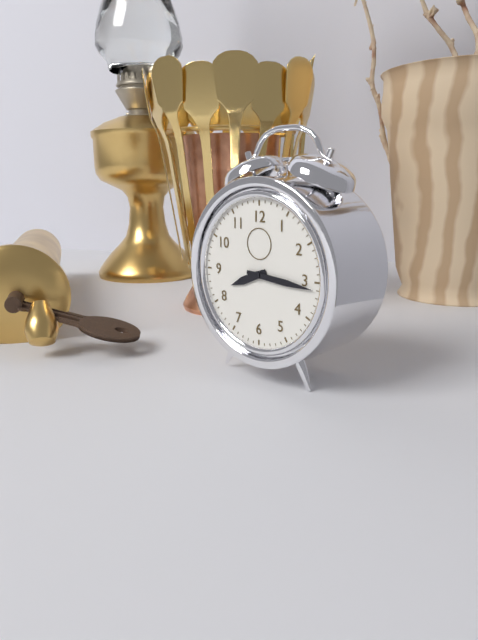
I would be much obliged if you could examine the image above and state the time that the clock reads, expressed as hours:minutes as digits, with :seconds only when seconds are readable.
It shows 8:16
